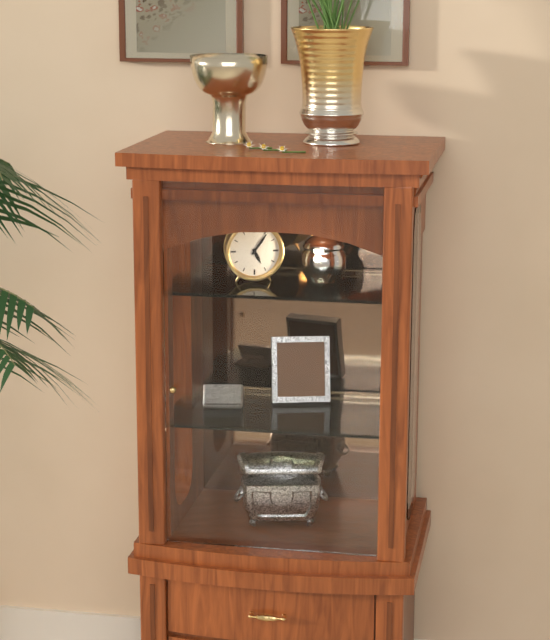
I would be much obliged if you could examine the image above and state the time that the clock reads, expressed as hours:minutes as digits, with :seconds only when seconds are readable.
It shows 5:06
